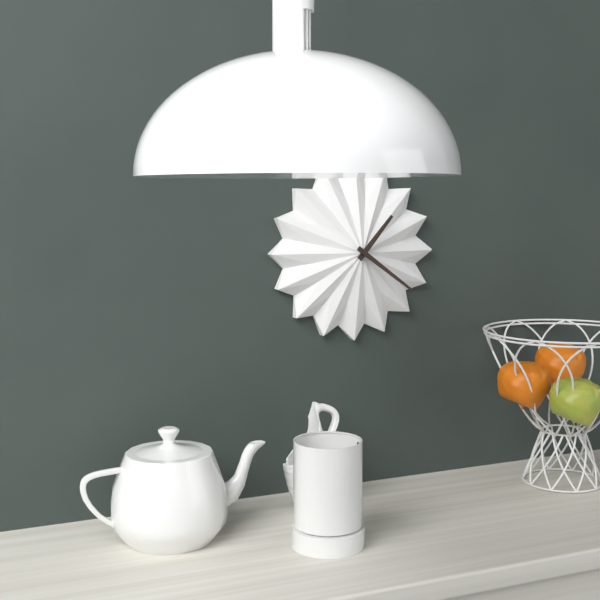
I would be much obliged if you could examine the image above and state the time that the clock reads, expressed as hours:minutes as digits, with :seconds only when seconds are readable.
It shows 1:21
